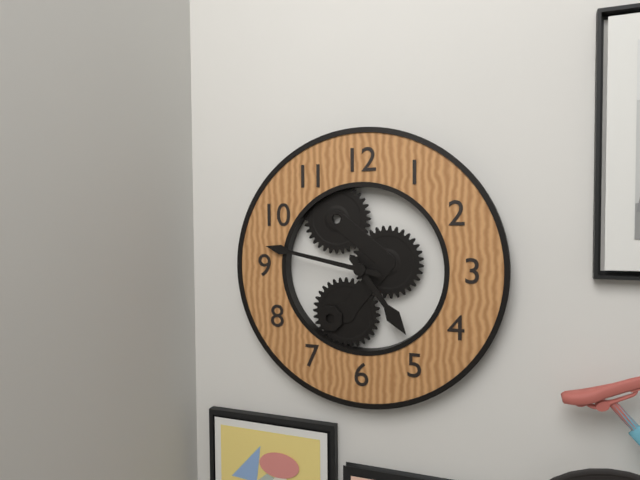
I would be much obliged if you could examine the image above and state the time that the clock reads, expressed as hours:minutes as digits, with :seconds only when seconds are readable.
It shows 4:47
